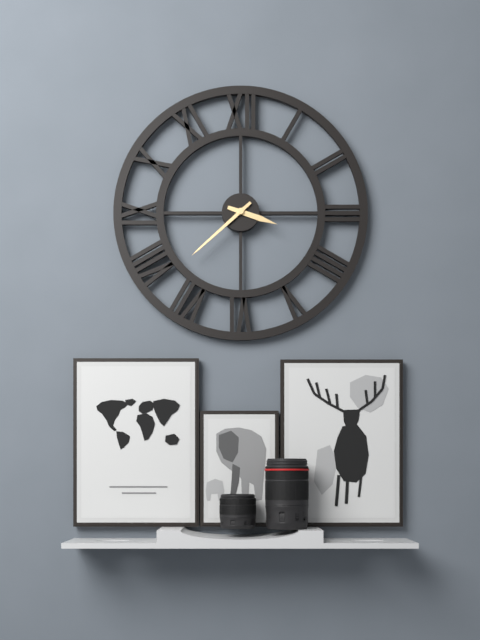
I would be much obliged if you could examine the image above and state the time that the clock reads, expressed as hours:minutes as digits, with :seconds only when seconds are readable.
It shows 3:38
